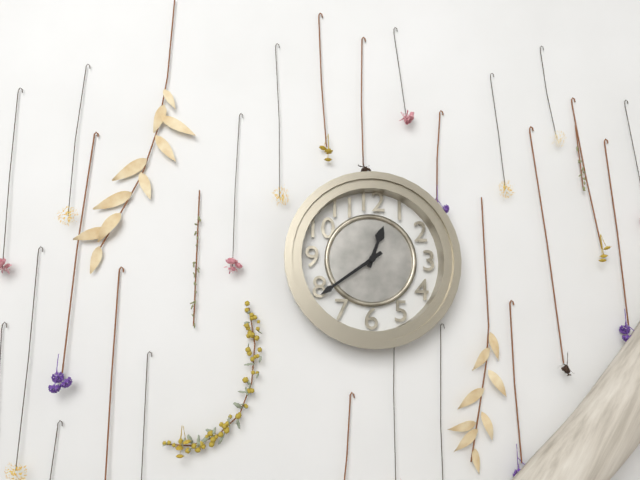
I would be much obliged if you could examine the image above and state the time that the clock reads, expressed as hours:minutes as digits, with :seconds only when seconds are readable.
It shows 12:39
